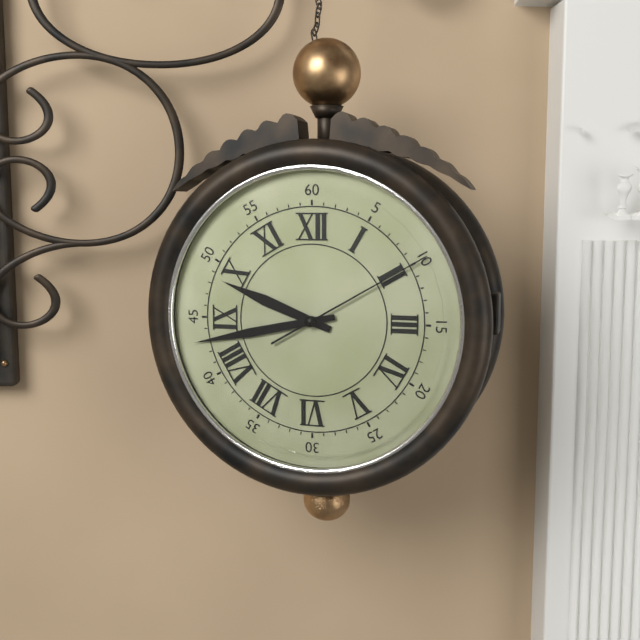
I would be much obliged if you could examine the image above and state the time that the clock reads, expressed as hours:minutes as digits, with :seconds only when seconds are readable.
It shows 9:43:10
